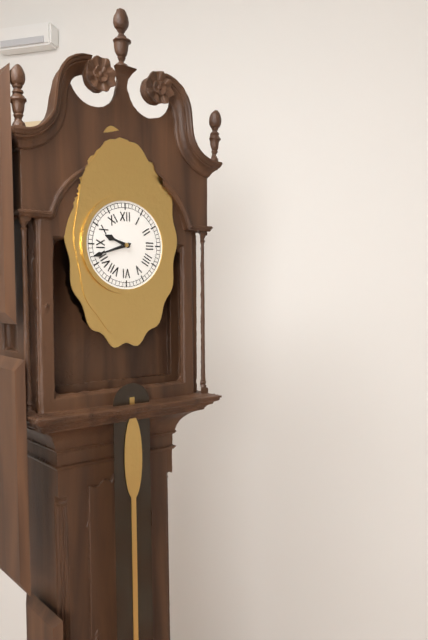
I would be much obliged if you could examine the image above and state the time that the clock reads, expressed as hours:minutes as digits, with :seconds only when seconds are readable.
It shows 9:42
